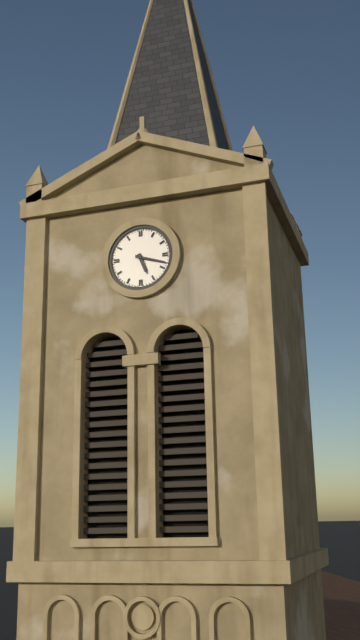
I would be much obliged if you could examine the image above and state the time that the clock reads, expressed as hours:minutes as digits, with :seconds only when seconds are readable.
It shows 5:18
